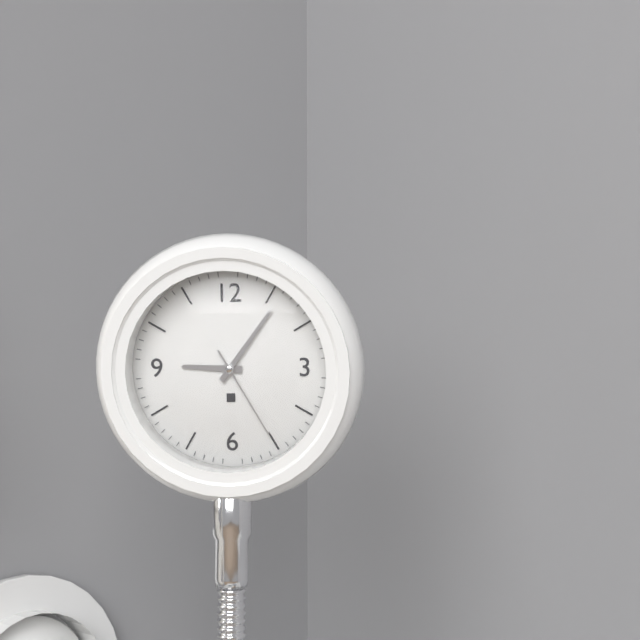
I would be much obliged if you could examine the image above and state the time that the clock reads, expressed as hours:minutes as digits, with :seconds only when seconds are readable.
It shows 9:06:25
